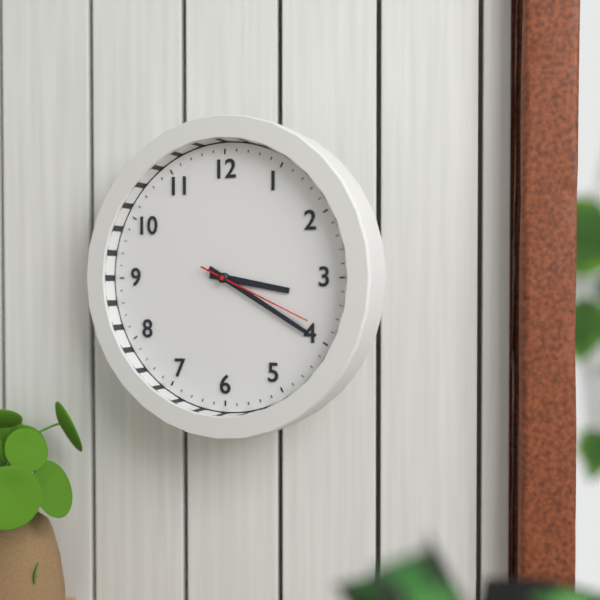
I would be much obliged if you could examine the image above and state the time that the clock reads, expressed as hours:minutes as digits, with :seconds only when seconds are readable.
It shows 3:20:19
